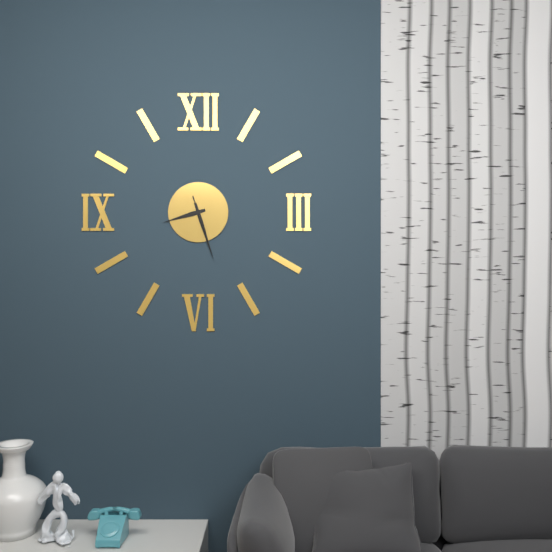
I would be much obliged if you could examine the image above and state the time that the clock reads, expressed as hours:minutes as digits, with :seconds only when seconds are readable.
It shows 8:27:27
